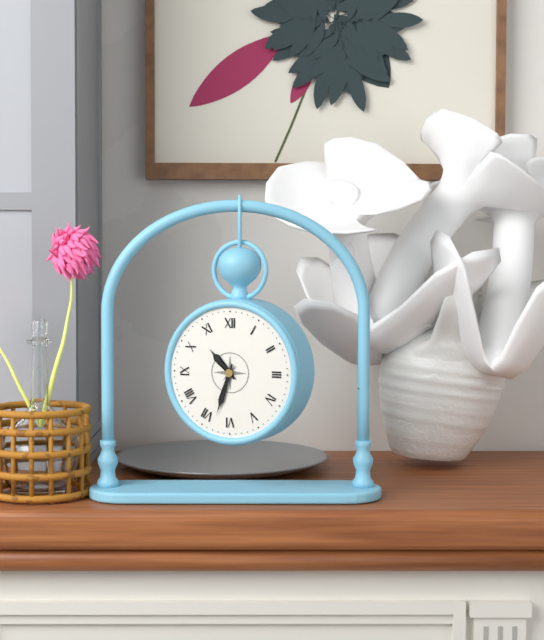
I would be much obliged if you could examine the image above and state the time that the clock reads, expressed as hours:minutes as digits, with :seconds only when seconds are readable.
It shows 10:33
